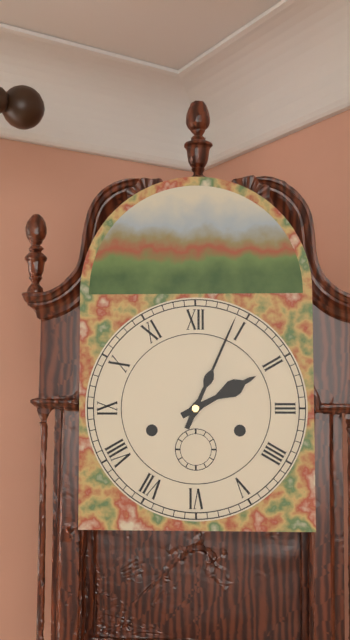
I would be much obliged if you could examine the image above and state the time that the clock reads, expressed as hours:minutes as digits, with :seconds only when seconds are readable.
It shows 2:04
